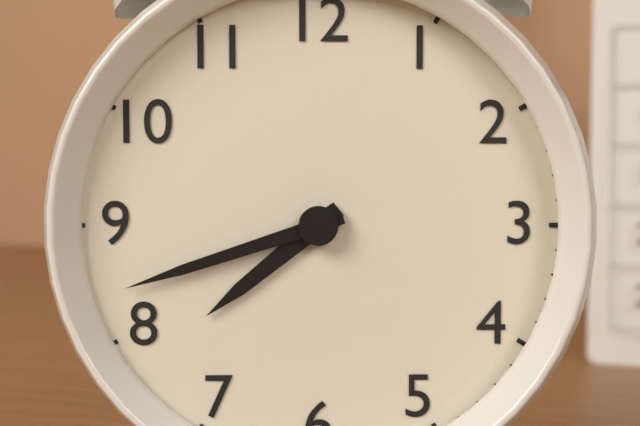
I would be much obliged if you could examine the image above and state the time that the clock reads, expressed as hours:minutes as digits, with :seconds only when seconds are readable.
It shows 7:42
